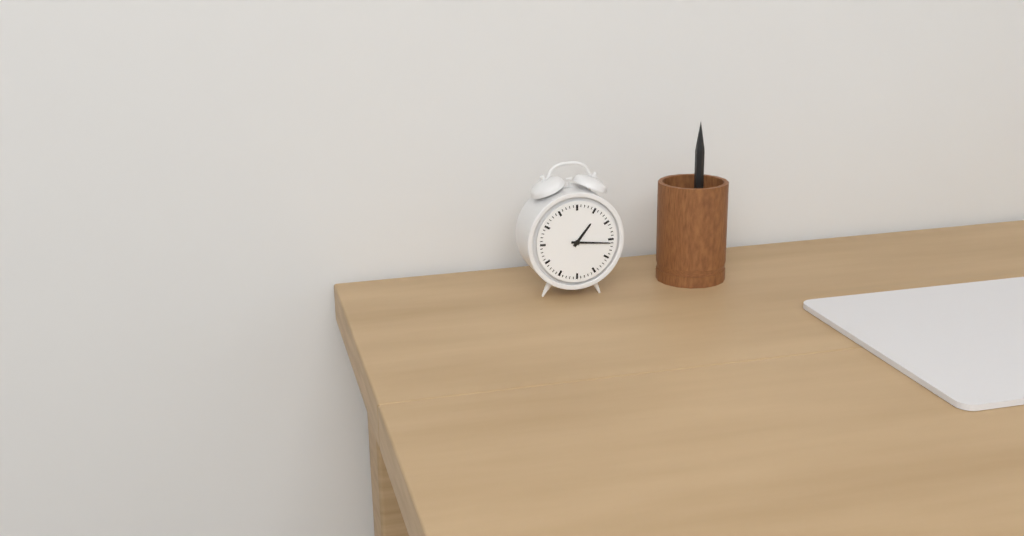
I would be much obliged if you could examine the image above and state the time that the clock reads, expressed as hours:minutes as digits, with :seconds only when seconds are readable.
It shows 1:16
